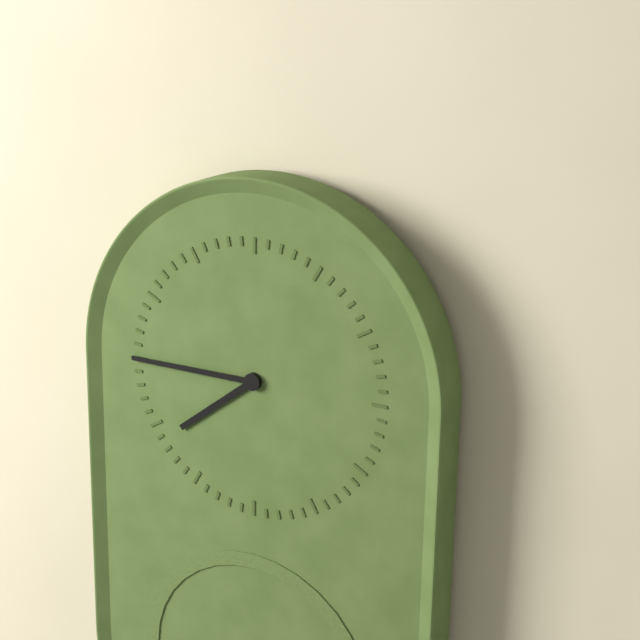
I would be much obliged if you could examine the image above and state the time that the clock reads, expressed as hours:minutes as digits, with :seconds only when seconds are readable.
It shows 7:45
